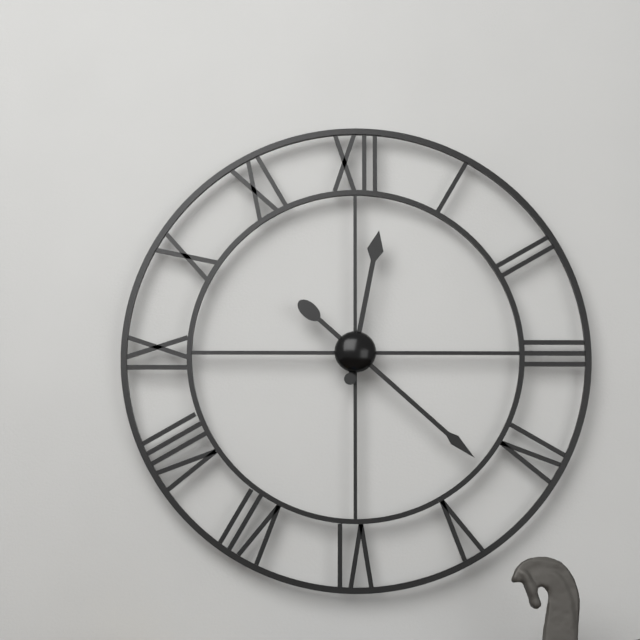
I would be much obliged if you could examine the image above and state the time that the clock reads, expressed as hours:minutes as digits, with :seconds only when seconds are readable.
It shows 12:22
